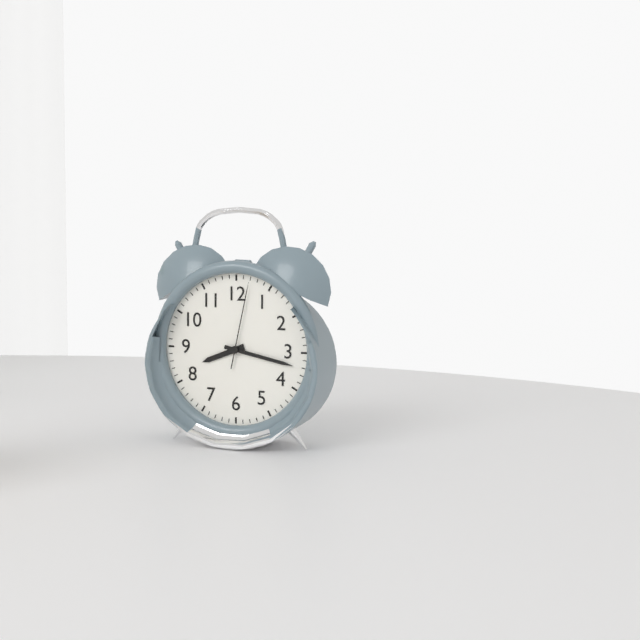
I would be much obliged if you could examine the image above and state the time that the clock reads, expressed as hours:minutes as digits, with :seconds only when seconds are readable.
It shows 8:17:02
